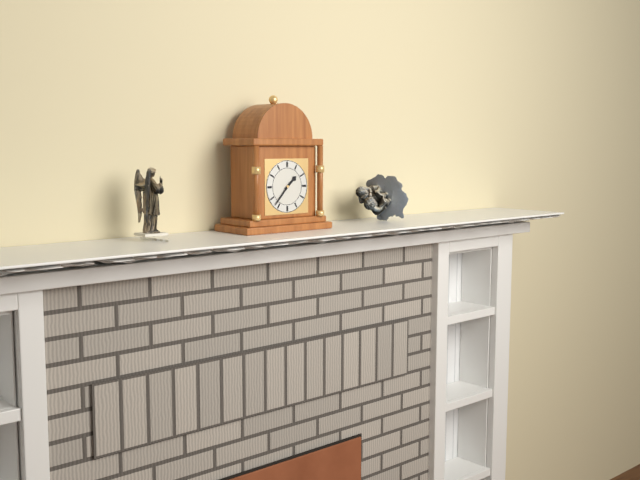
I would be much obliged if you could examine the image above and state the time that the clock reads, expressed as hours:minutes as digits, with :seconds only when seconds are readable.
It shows 1:37
